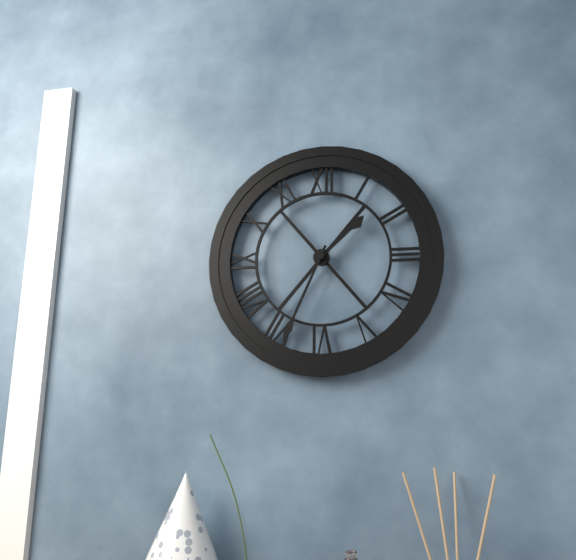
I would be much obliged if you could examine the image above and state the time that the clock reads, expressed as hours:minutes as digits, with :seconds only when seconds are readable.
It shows 1:34
